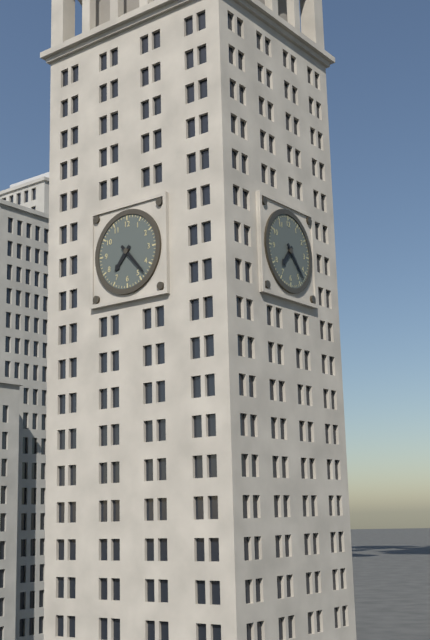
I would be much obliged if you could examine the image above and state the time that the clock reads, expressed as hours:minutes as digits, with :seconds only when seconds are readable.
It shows 7:23
